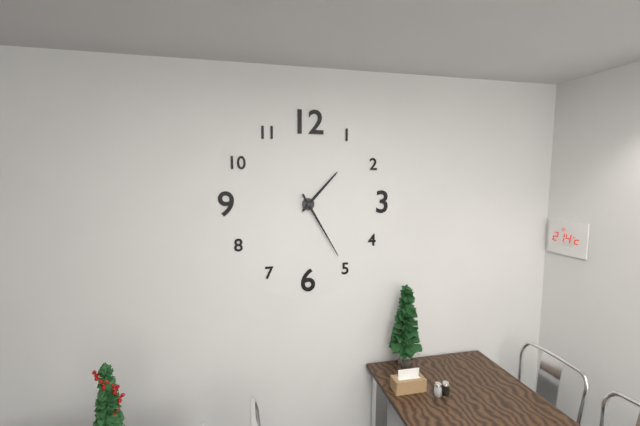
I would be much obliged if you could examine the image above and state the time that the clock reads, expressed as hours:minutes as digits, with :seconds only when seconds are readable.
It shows 1:25
